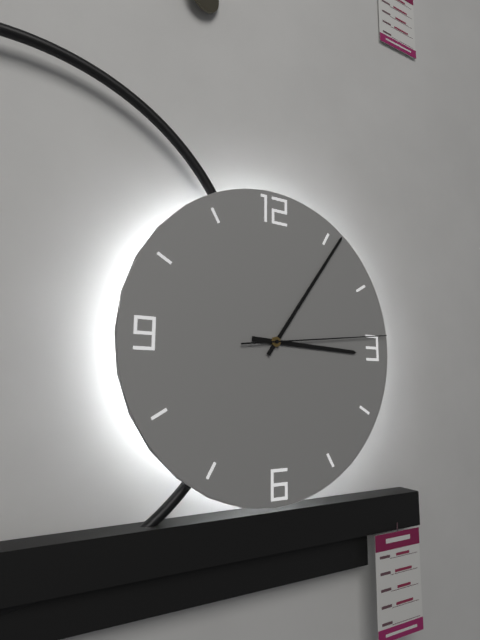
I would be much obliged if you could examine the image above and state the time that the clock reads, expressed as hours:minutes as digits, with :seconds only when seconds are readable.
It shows 3:06:14
